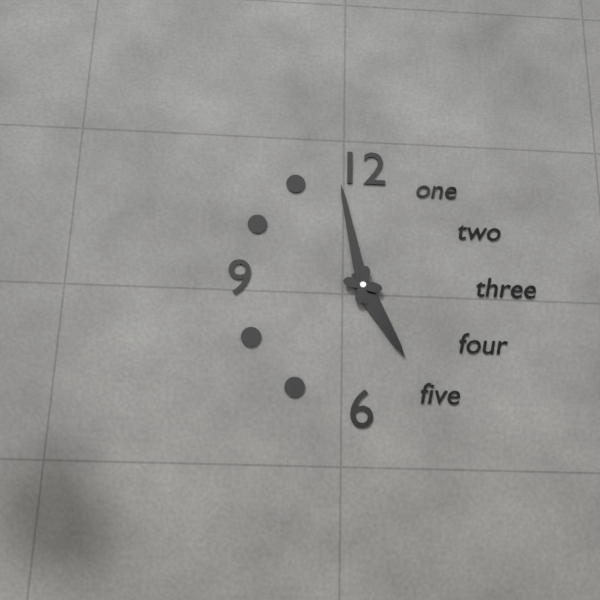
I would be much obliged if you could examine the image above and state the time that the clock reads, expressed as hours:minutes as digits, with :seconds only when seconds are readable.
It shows 4:58
